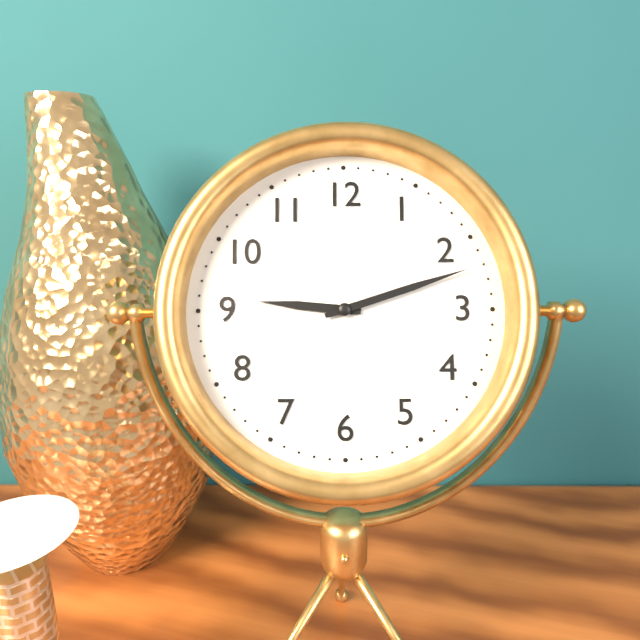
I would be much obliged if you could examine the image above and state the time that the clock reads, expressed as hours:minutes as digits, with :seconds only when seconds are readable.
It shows 9:12
